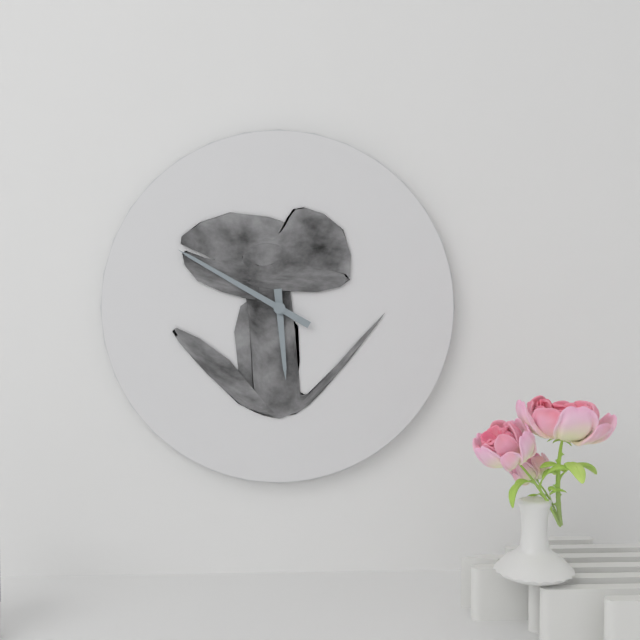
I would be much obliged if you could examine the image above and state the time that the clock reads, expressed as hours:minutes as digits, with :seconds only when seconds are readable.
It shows 5:50
